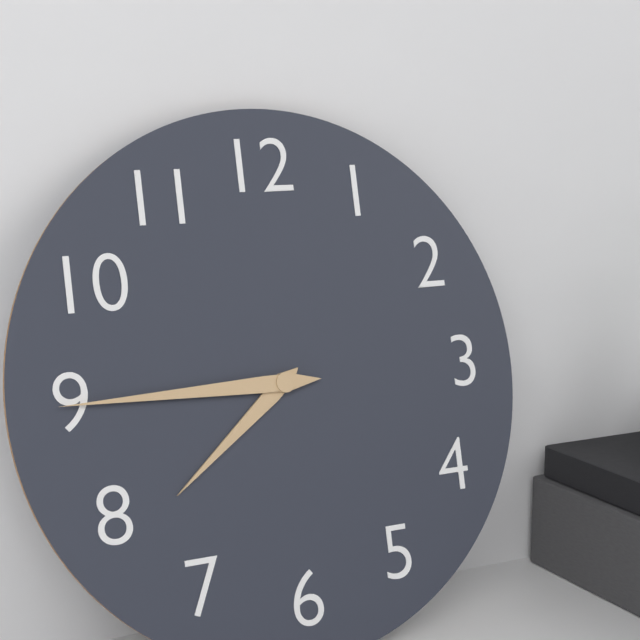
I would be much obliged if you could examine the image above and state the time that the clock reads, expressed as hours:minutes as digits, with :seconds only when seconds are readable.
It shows 7:45
